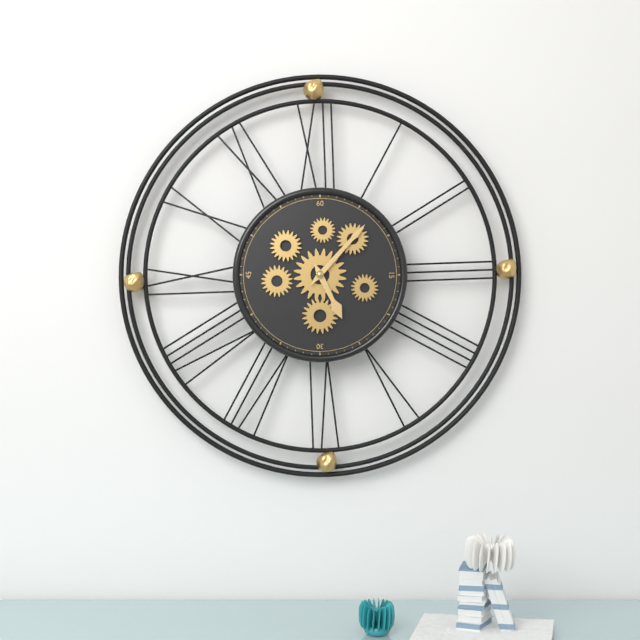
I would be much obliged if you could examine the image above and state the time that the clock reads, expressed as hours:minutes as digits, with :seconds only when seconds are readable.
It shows 5:07
